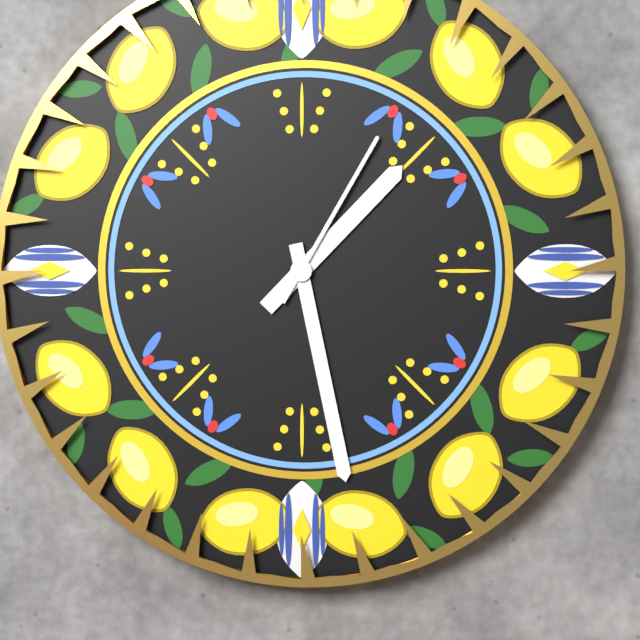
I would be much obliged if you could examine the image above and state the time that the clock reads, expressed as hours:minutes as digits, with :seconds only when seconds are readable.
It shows 1:28:05
